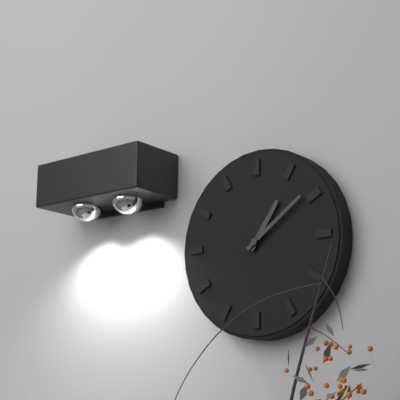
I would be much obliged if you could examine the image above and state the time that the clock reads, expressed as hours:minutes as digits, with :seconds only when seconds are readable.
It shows 1:09
